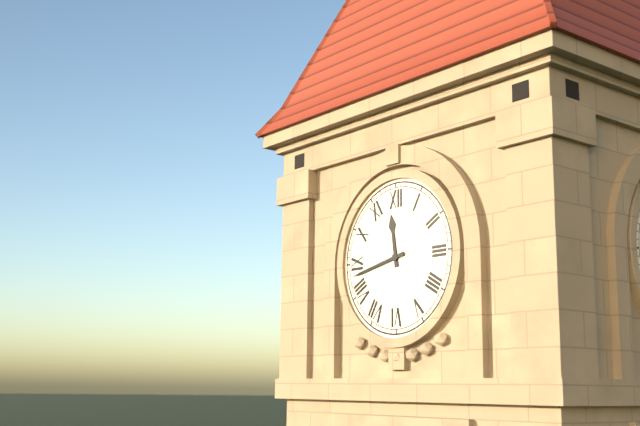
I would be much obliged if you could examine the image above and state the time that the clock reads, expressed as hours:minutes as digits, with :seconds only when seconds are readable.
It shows 11:43
